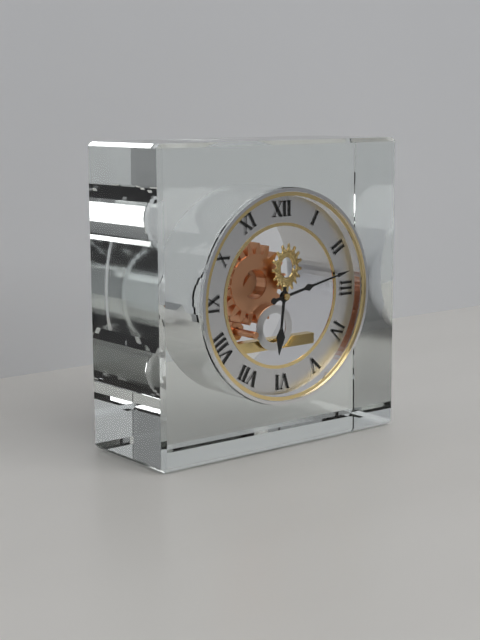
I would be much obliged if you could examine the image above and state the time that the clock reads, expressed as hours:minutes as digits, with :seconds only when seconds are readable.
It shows 6:13
